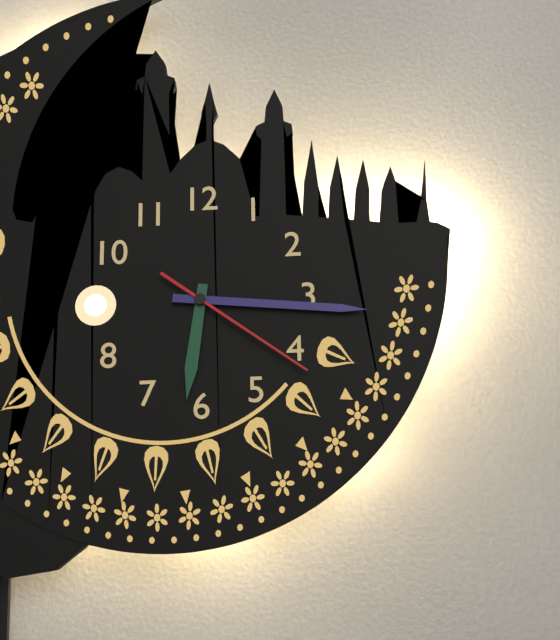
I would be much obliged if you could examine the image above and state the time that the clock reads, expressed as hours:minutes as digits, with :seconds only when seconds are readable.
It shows 6:16:21
